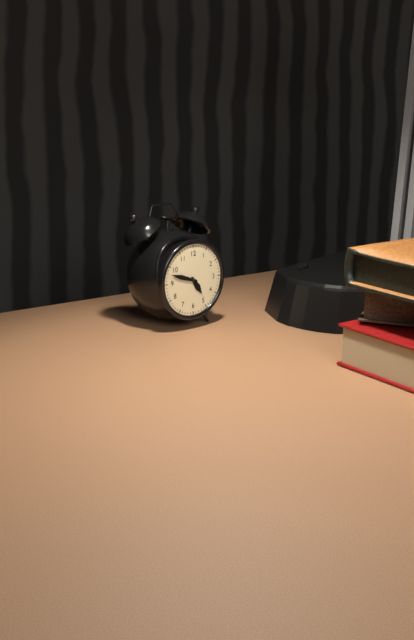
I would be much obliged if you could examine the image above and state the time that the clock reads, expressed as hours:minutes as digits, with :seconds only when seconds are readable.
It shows 4:48
